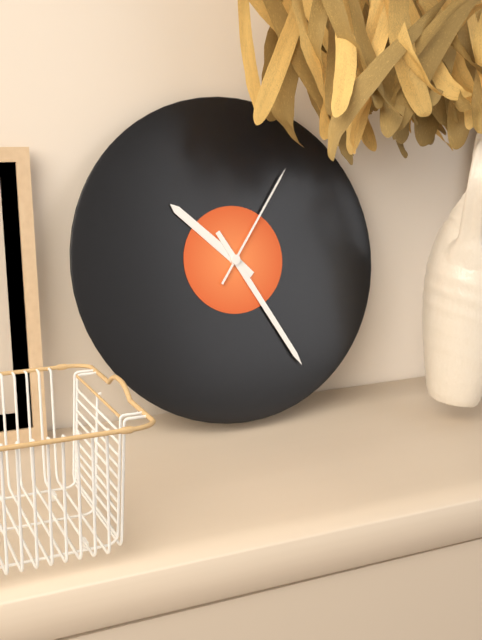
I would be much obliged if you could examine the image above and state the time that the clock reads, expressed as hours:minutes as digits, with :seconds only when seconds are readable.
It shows 10:25:06
